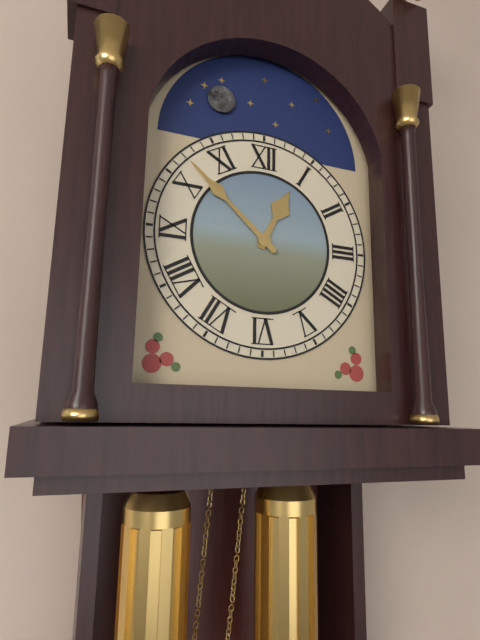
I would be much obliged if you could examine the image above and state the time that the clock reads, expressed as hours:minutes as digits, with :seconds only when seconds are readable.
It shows 12:52
